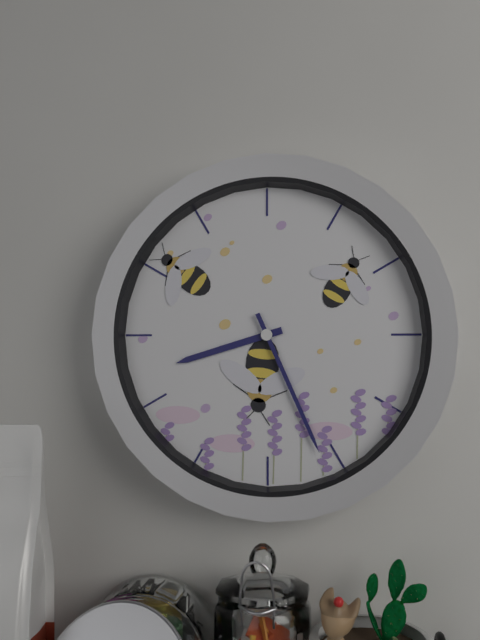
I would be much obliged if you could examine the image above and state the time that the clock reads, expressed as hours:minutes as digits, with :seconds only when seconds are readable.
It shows 8:26
